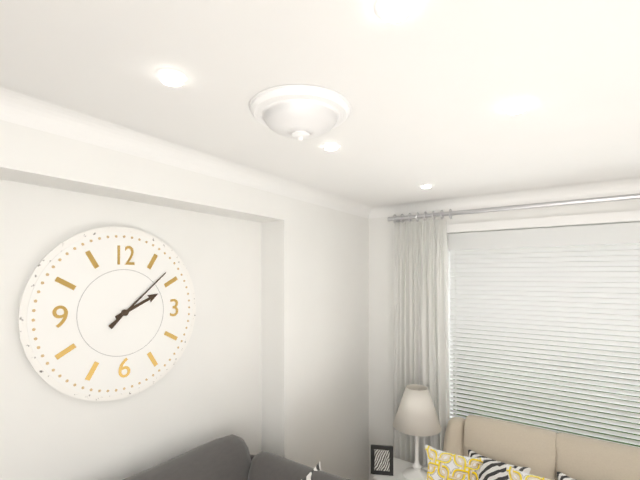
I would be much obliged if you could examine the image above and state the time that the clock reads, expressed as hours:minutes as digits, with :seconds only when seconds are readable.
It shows 2:08
